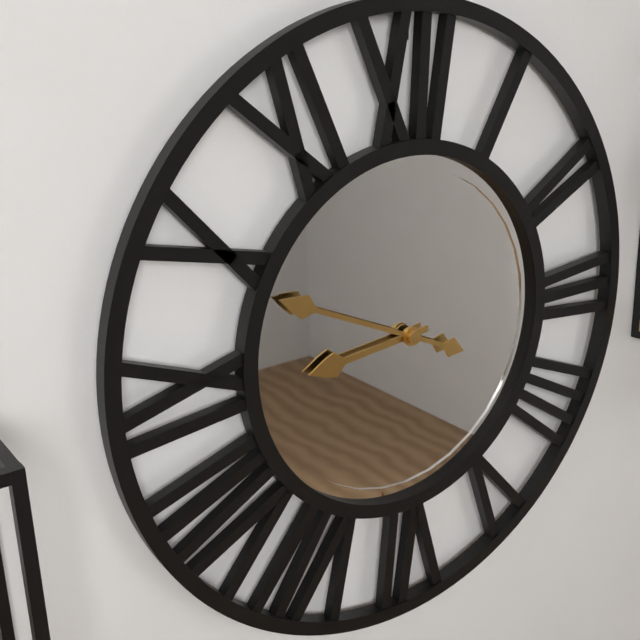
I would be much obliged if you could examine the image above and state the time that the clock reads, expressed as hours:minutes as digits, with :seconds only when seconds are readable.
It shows 8:49
